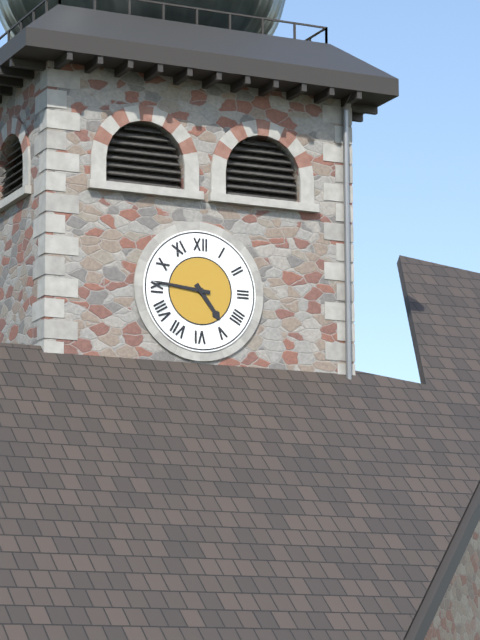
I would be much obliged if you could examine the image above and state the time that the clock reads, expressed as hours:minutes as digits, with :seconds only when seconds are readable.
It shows 4:46
